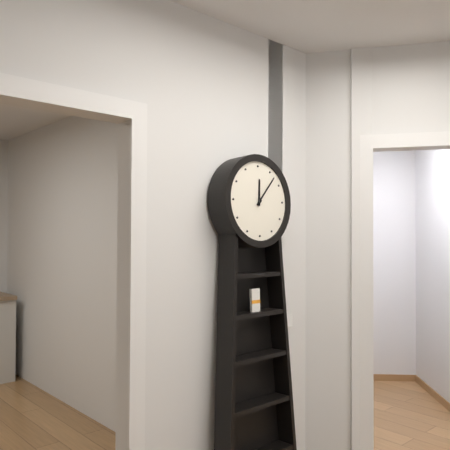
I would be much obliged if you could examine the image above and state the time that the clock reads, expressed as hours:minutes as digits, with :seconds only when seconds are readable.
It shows 12:07
